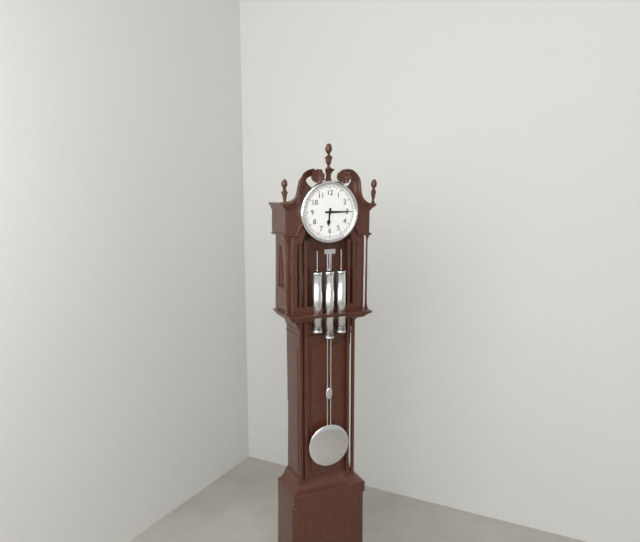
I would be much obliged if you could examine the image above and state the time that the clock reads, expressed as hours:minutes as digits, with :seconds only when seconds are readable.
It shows 6:15
